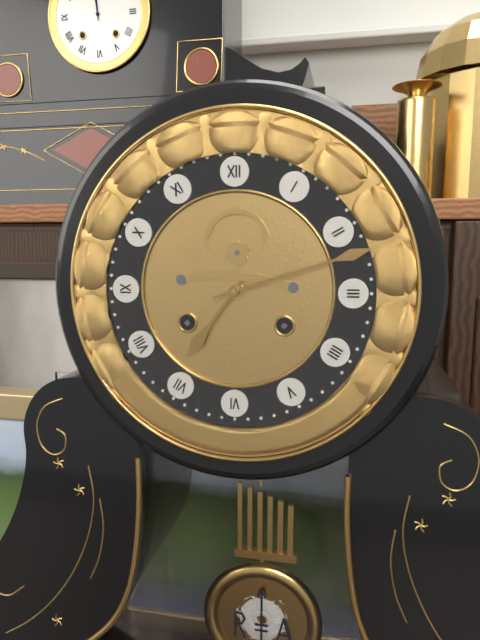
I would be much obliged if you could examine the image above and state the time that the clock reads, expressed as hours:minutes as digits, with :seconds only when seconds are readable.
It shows 7:12
